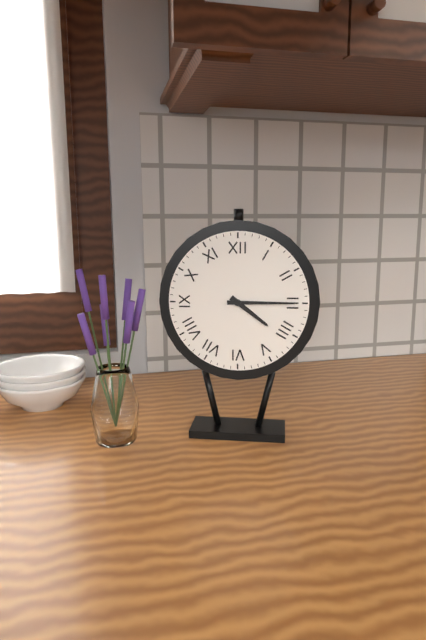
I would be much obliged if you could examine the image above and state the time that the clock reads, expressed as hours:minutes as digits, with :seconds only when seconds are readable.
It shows 4:15
